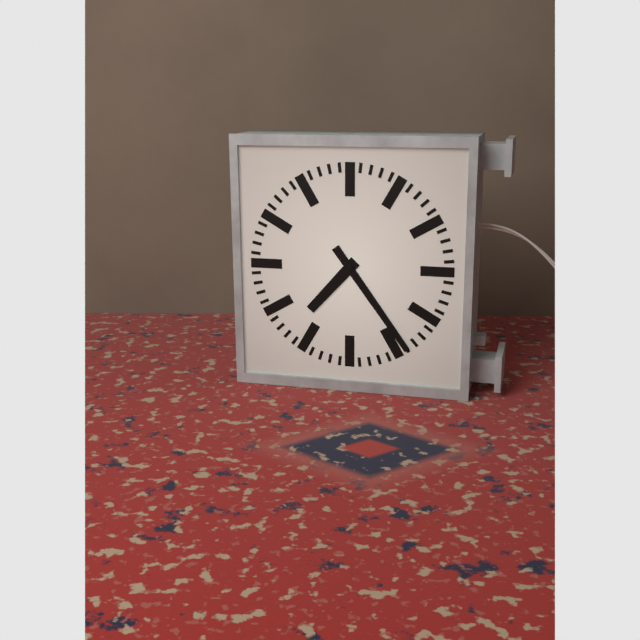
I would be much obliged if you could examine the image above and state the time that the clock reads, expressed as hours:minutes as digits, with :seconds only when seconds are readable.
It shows 7:24
